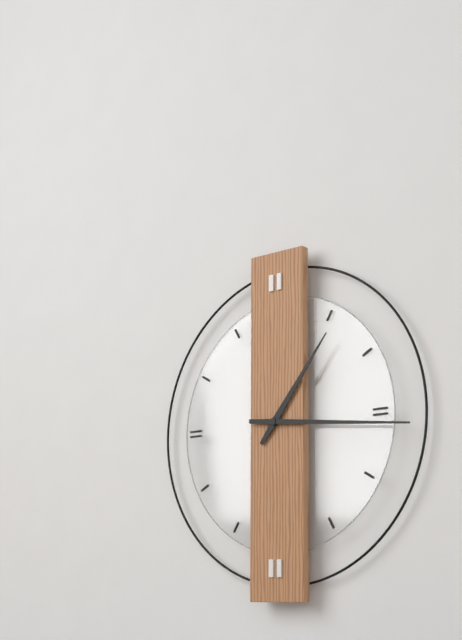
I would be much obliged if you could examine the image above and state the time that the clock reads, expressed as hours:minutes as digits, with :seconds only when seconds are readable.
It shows 1:16
